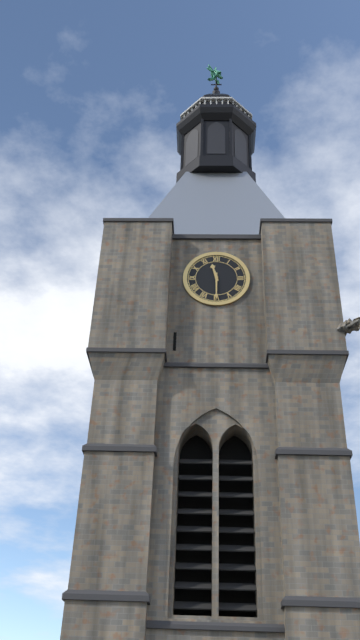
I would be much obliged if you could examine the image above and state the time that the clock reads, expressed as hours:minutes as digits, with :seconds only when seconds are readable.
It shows 11:30
